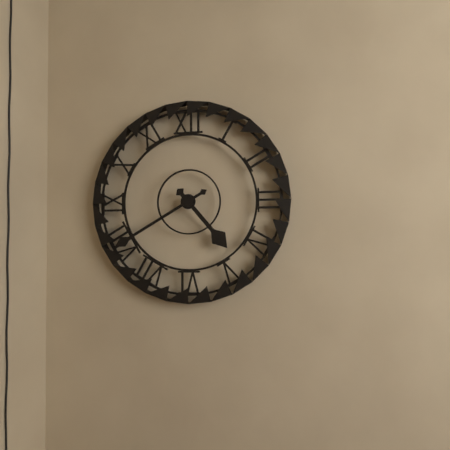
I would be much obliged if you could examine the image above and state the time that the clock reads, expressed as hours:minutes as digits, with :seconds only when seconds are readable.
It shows 4:40
